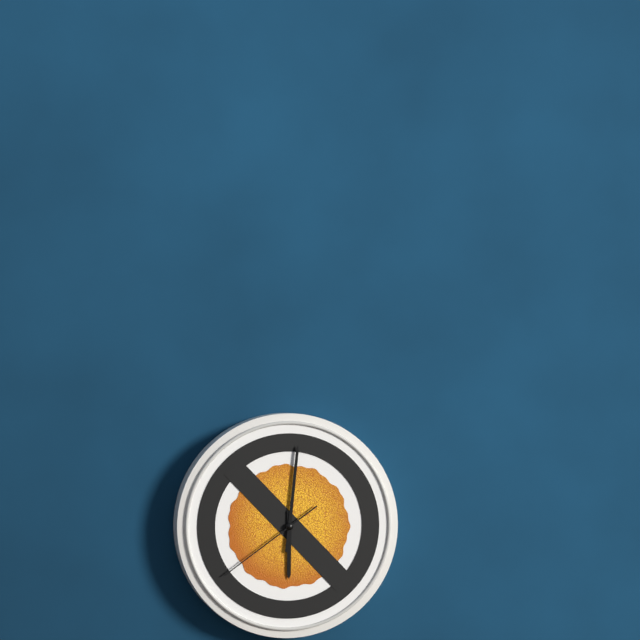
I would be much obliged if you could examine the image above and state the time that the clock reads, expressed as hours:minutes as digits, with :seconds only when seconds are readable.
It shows 6:01:39
